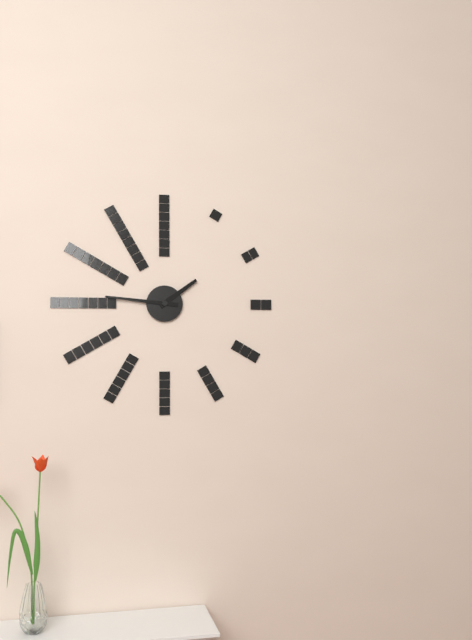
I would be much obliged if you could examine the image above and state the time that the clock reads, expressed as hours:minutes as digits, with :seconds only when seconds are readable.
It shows 1:46
